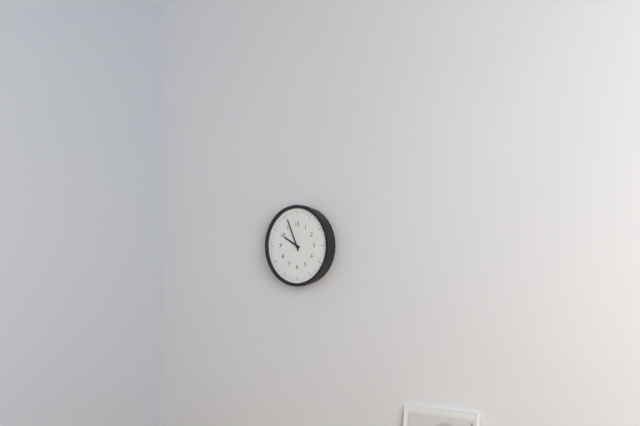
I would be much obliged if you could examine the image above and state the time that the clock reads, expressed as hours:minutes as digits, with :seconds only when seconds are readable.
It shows 9:56
